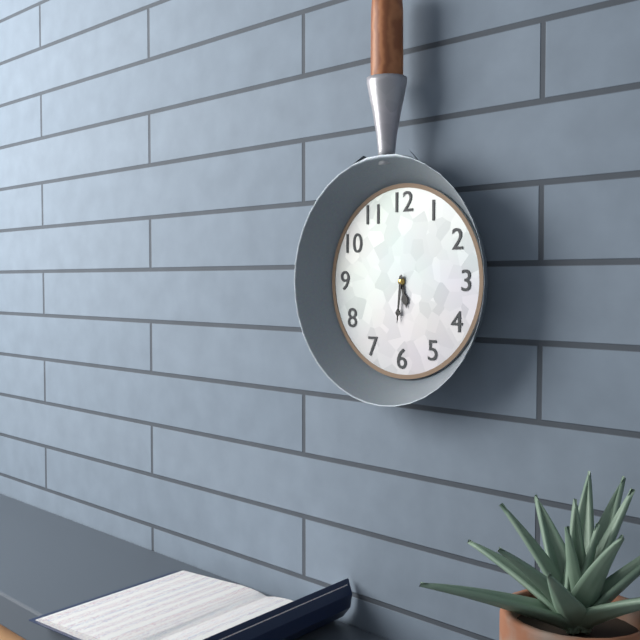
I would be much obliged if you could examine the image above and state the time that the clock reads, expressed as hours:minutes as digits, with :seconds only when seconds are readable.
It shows 5:31
